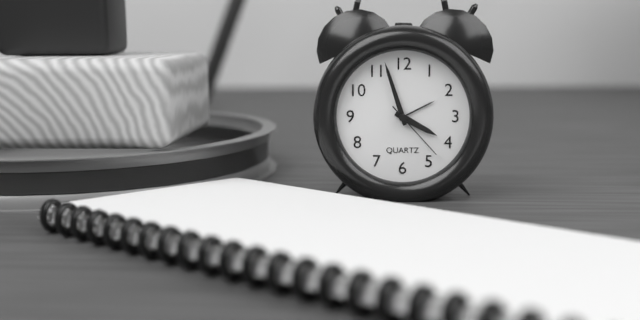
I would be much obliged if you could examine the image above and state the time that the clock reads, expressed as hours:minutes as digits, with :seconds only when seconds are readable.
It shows 3:57:23
